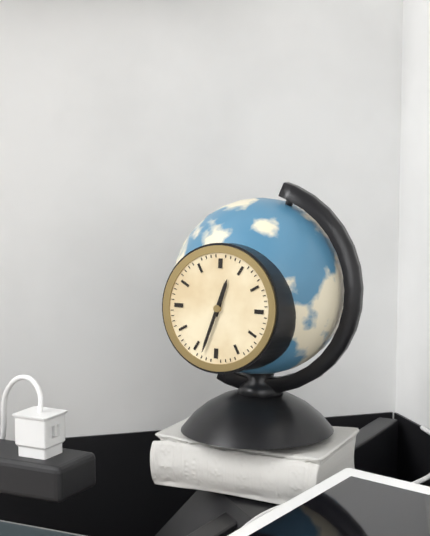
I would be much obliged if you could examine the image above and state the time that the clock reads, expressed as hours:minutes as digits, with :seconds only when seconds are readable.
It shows 12:33
